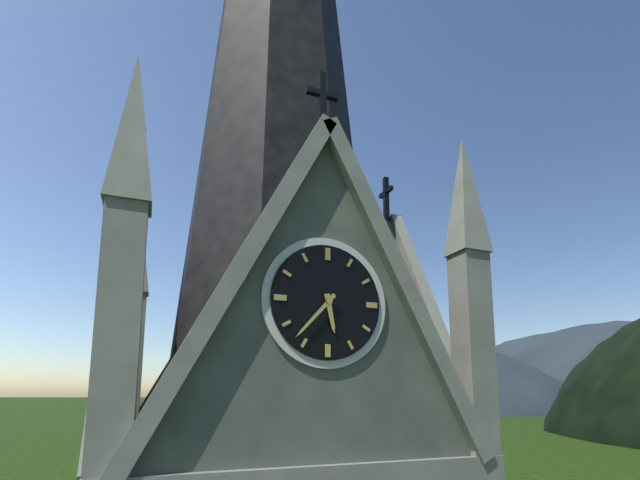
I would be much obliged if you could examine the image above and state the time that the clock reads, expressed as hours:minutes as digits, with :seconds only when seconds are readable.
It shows 5:37
